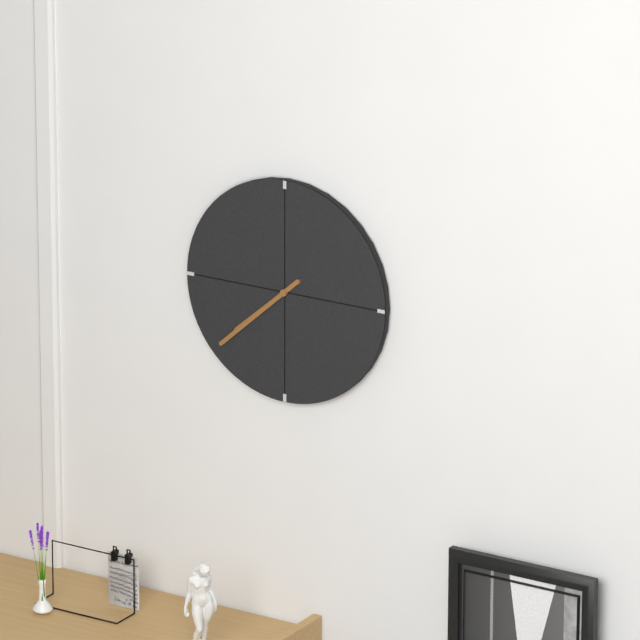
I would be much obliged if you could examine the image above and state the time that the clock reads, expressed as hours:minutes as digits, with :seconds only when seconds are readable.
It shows 7:38
